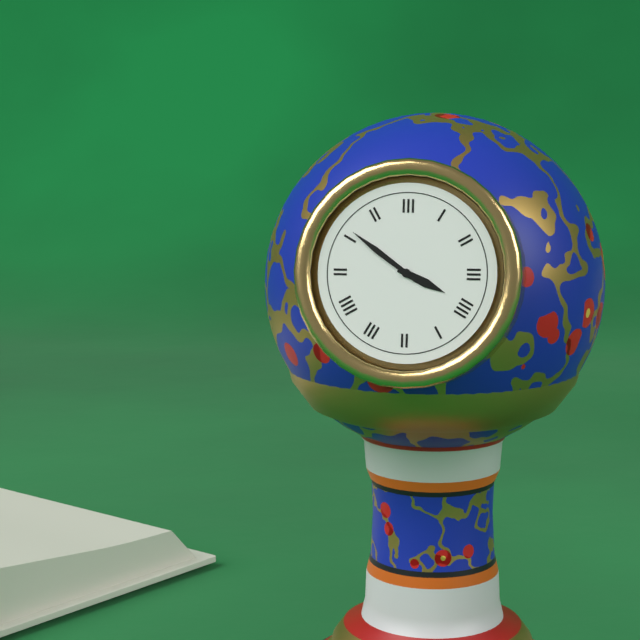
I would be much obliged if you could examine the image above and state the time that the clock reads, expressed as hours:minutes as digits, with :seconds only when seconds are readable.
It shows 3:51
